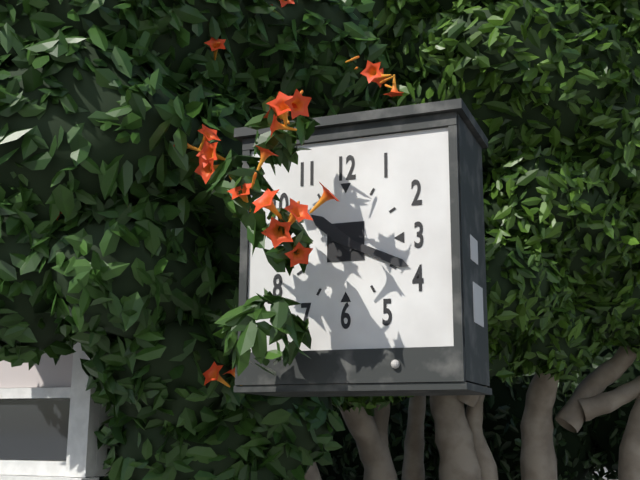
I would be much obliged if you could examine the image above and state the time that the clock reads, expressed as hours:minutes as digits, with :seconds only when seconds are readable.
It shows 10:19
